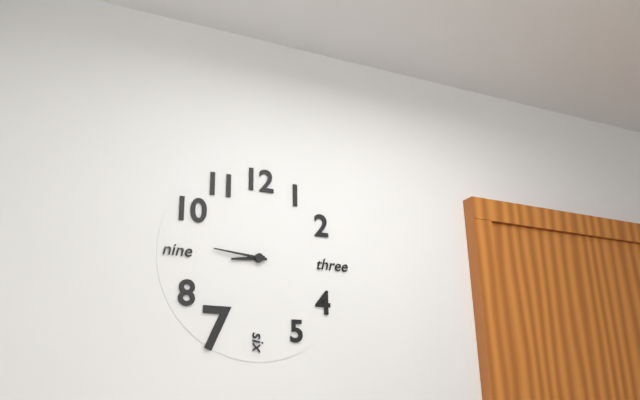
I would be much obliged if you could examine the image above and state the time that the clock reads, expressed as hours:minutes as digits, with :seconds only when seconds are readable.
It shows 8:46
